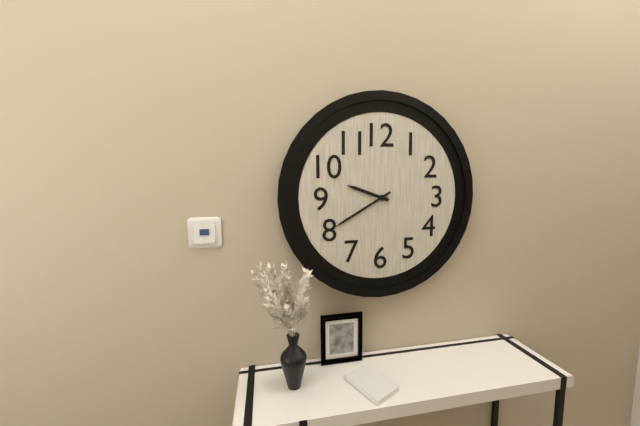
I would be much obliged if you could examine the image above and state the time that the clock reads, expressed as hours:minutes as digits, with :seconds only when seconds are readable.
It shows 9:40
